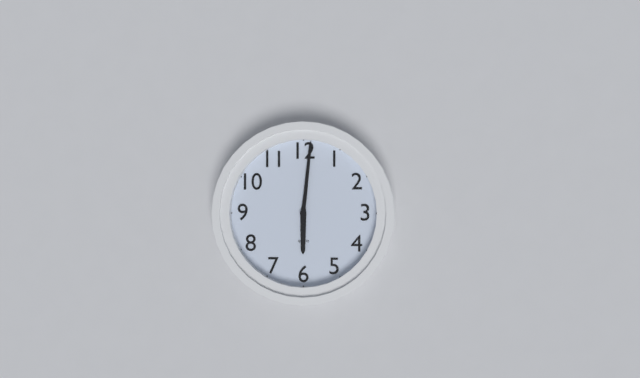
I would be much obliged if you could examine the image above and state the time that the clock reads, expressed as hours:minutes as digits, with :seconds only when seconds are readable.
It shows 6:01
